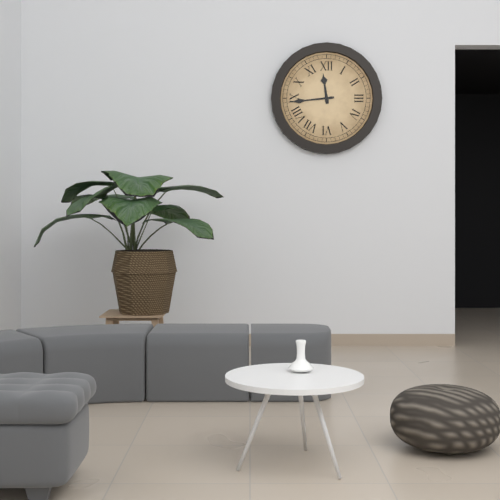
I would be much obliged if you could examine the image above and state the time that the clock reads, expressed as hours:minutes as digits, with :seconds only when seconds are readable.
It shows 11:44
